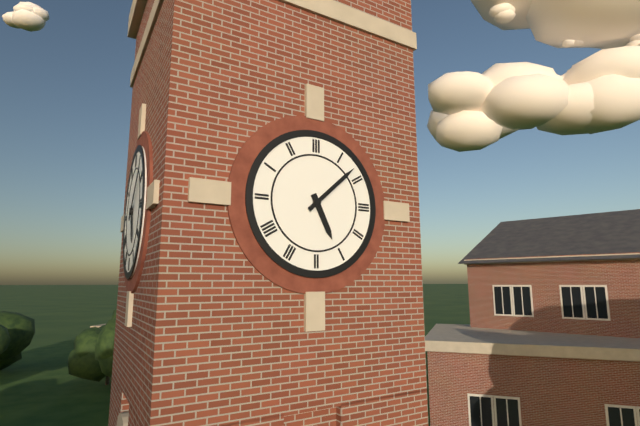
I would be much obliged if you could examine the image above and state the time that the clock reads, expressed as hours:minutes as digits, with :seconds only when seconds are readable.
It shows 5:08
